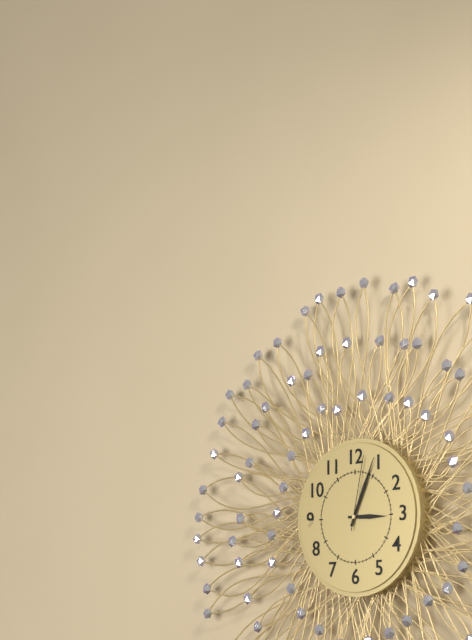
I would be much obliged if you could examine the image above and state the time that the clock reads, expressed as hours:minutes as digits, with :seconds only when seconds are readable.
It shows 3:04:02
